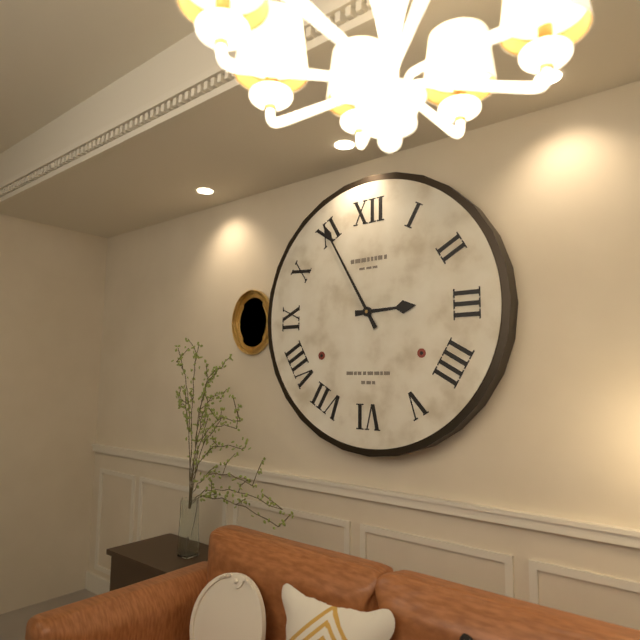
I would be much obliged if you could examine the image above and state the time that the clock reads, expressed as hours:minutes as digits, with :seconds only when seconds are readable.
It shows 2:55
